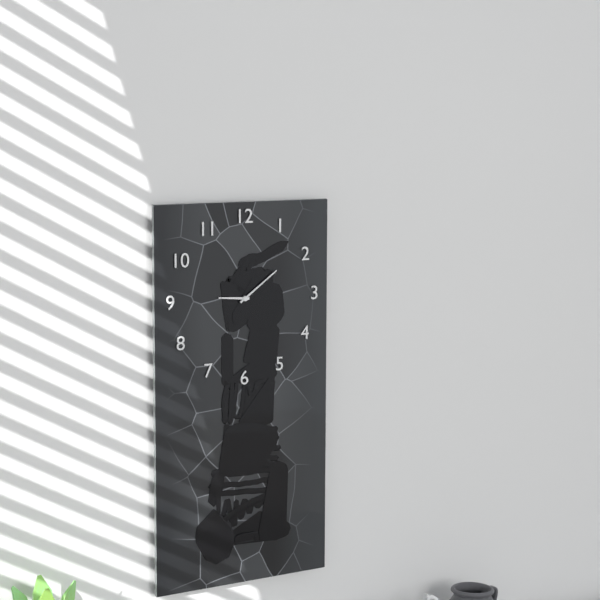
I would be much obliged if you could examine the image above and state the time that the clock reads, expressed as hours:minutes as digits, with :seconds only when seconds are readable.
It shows 9:09
